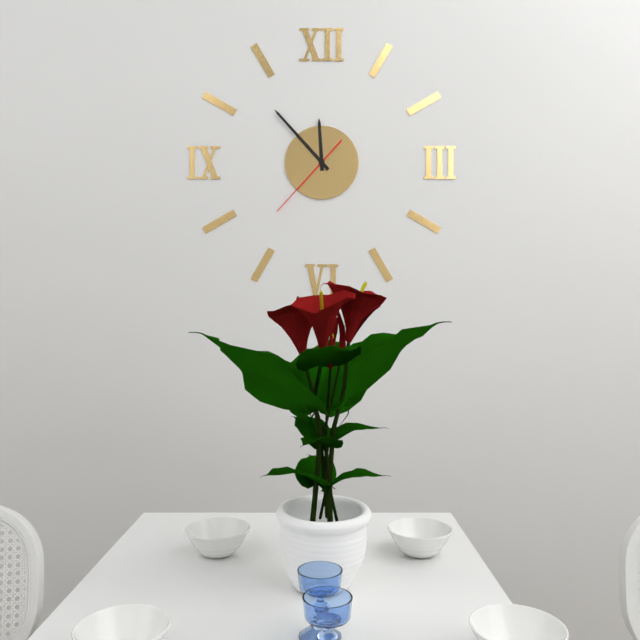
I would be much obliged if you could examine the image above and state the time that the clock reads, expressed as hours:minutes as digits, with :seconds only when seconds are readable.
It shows 11:53:37
